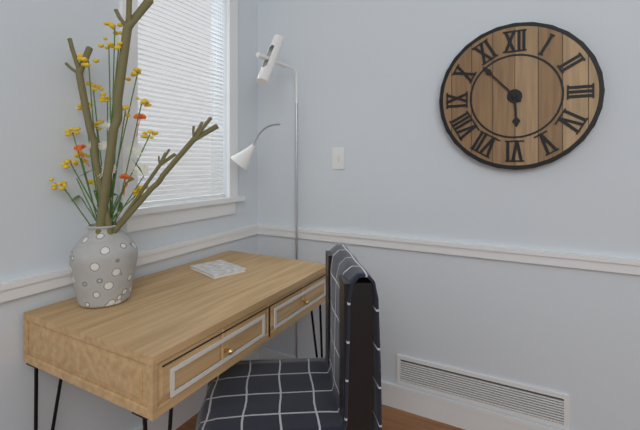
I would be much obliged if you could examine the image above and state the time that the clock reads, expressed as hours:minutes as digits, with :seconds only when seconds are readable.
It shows 5:53
